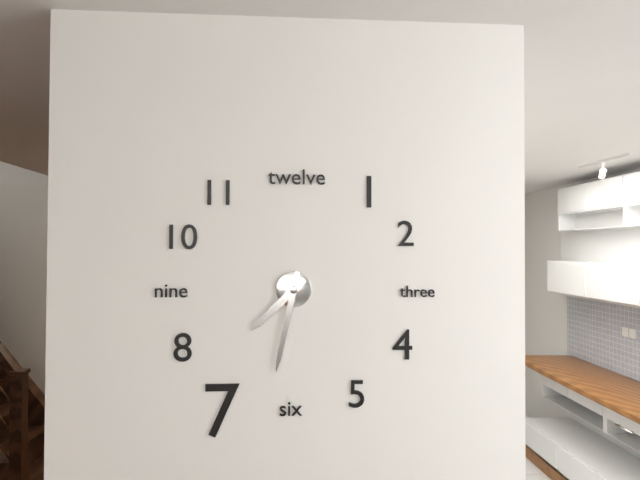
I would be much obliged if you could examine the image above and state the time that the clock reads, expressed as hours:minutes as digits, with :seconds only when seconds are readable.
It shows 7:32
